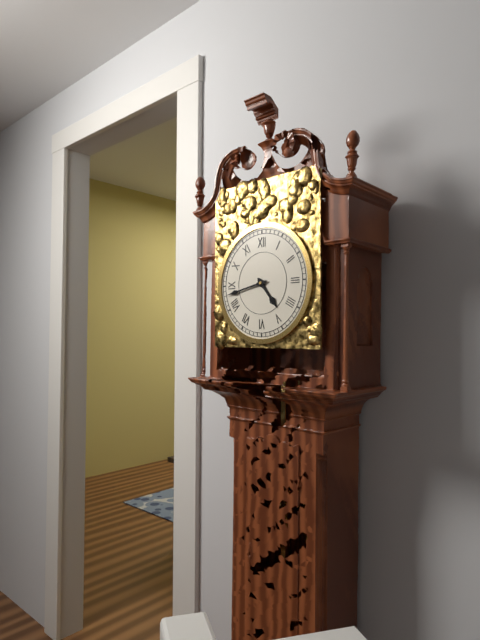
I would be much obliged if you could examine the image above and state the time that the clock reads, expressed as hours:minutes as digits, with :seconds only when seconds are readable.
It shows 4:43
